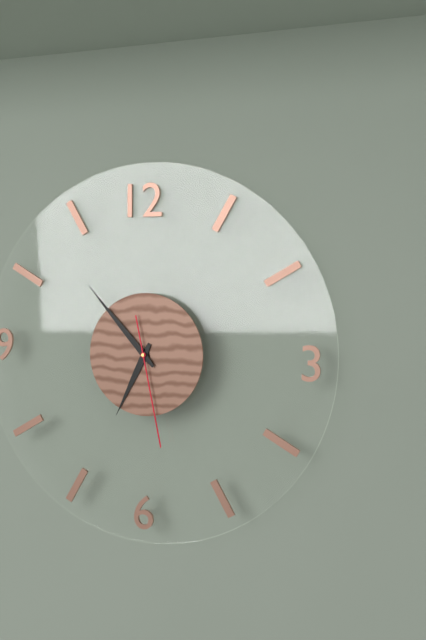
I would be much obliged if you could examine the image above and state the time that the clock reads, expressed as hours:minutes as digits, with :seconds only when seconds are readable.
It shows 6:53:28
